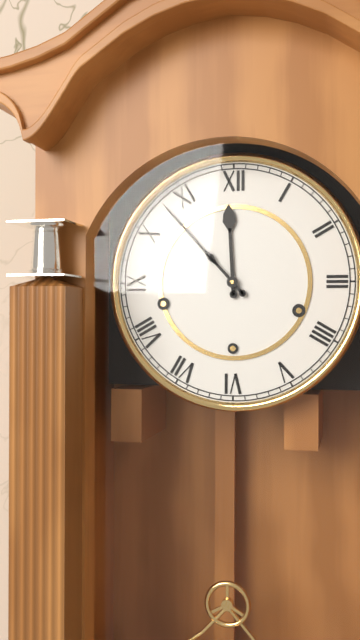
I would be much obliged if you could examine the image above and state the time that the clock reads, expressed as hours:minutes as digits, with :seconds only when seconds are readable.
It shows 11:53
